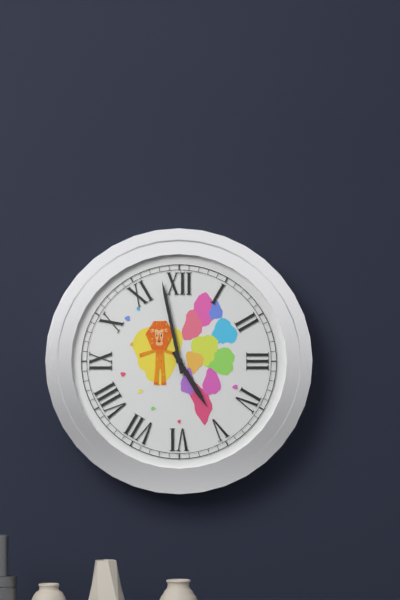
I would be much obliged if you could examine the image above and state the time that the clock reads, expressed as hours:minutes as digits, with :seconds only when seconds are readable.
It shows 4:58
